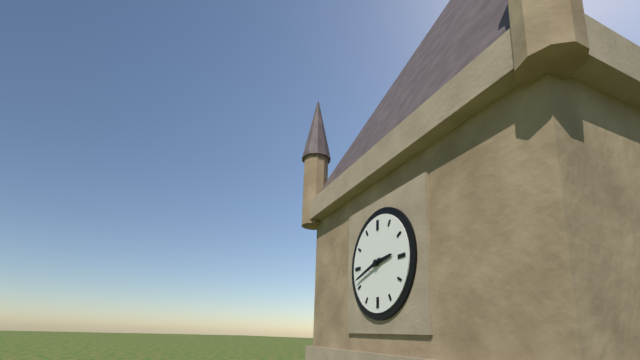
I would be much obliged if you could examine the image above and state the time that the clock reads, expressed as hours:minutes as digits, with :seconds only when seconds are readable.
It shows 2:42
